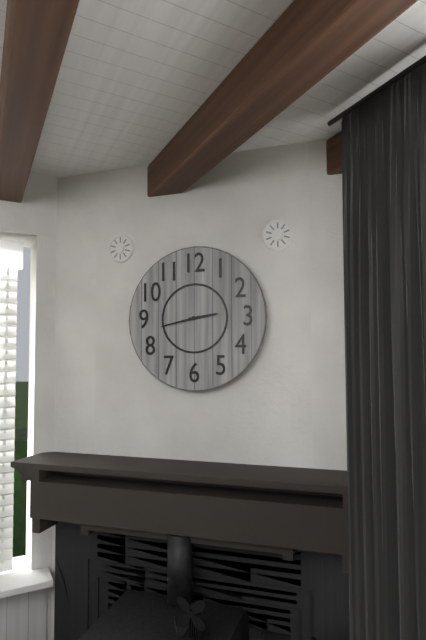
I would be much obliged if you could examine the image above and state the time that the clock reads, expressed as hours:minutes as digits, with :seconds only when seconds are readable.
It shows 2:43
